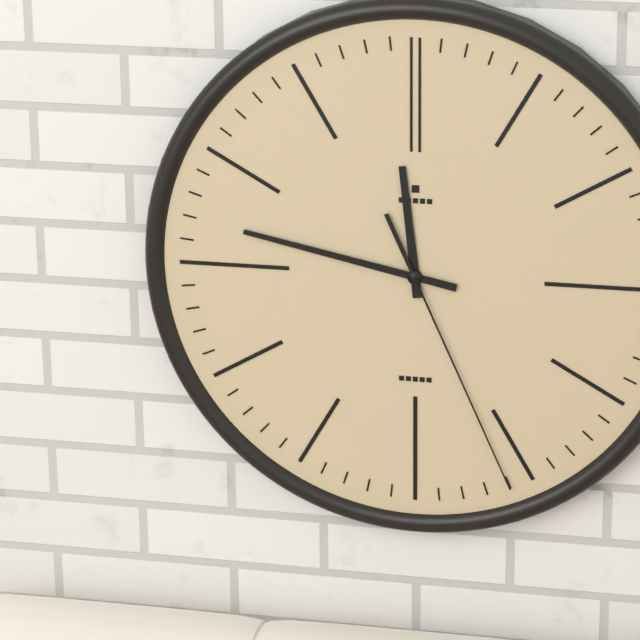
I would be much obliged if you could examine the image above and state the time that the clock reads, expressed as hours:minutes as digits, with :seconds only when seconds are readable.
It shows 11:47:26
